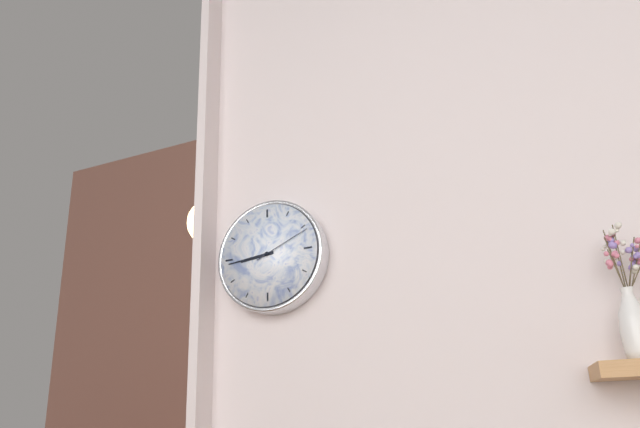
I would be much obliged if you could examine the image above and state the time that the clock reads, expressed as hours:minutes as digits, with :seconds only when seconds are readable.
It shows 8:44:11
